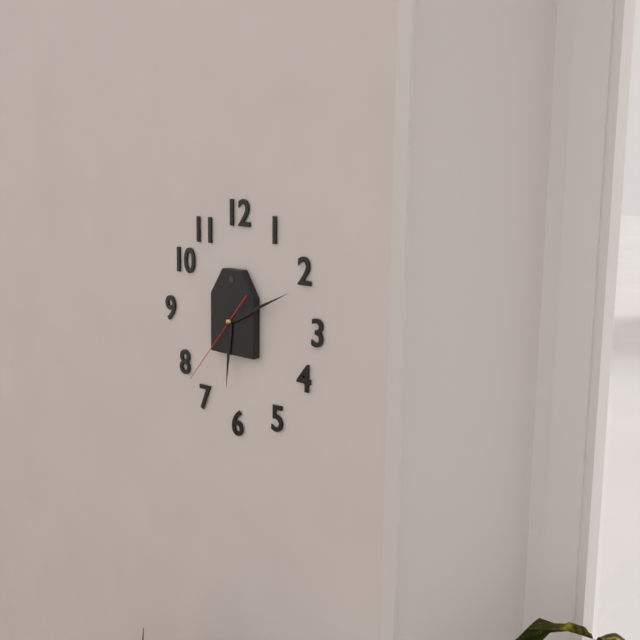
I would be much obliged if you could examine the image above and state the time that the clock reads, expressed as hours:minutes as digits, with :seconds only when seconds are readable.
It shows 6:11:37
